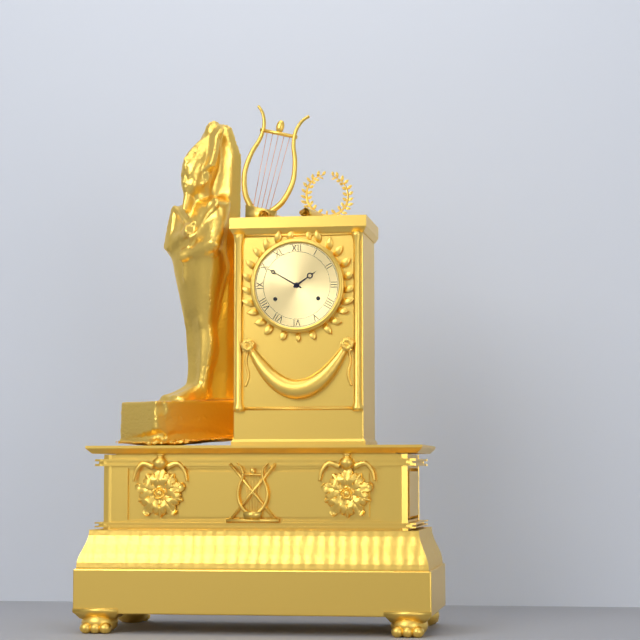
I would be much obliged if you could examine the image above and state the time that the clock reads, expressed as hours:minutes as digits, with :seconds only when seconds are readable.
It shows 1:50
